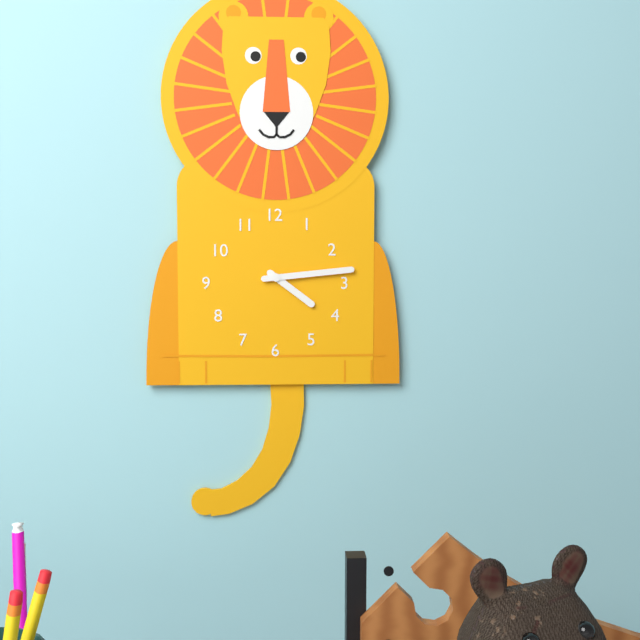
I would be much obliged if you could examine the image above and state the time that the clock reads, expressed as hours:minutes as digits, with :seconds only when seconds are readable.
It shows 4:14
